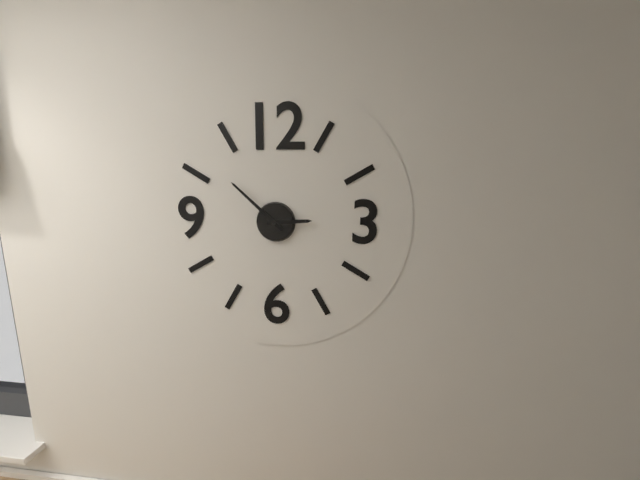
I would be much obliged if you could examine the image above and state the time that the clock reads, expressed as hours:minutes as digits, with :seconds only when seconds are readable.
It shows 2:52
